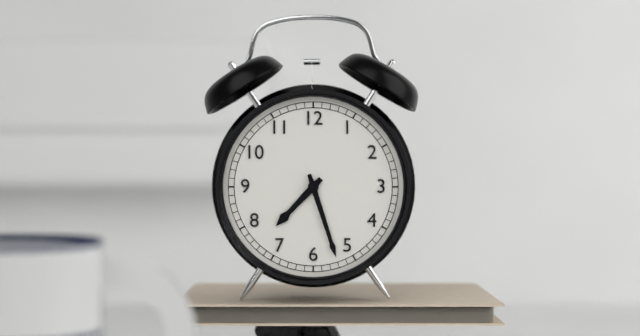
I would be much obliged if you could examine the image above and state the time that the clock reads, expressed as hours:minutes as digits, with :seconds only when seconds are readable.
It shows 7:27
